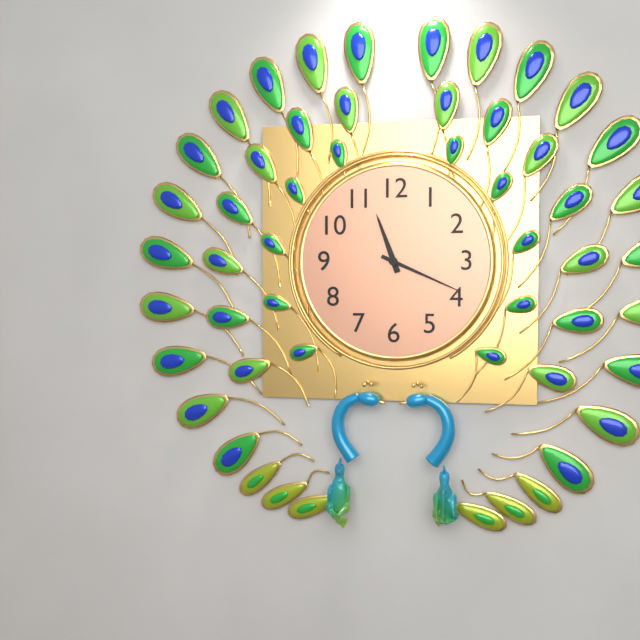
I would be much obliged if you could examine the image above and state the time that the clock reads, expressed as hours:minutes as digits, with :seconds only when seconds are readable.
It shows 11:19
